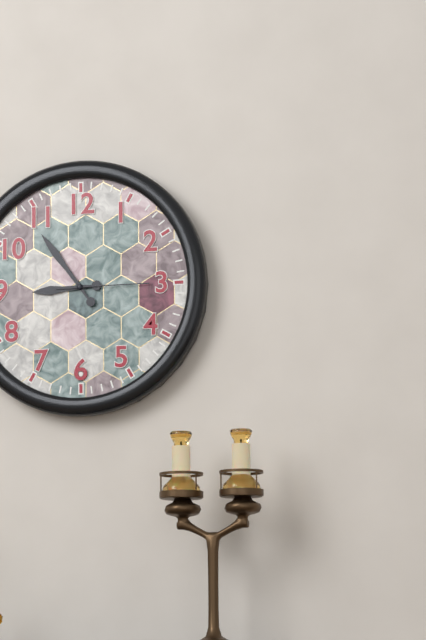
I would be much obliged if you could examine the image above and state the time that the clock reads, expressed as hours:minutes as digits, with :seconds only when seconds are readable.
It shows 8:54:15
